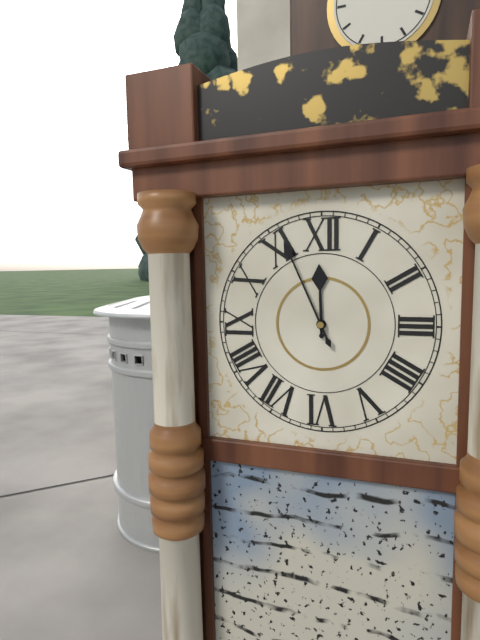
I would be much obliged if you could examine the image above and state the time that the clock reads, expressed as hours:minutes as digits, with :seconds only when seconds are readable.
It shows 11:56
